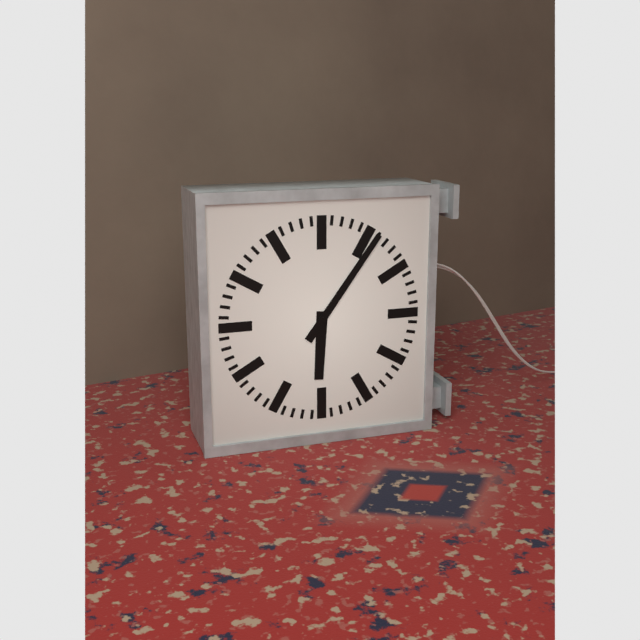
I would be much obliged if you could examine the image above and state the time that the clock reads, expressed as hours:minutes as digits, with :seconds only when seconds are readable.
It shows 6:06
